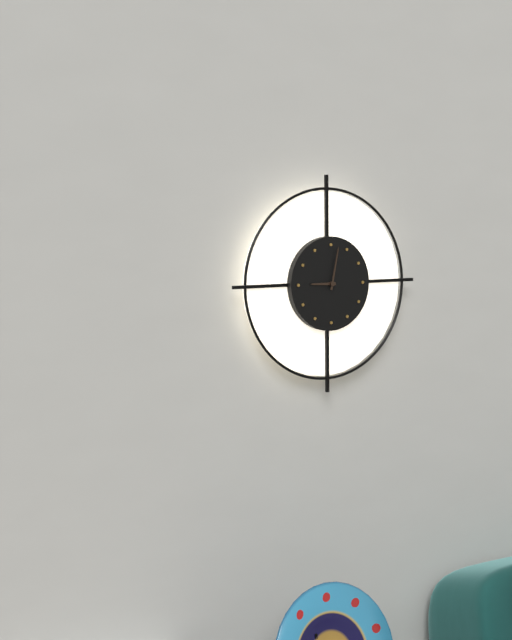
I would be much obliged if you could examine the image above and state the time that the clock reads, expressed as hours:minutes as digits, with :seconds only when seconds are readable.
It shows 9:02
